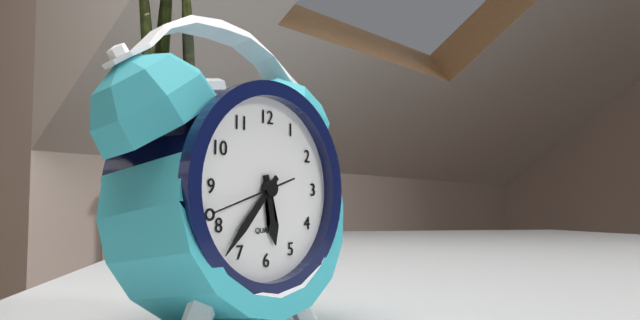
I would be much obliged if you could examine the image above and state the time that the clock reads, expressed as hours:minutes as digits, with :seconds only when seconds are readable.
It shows 5:37:42
